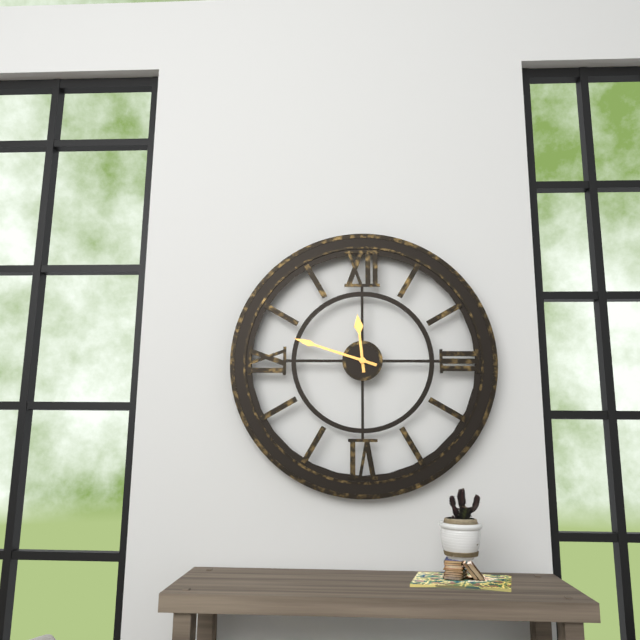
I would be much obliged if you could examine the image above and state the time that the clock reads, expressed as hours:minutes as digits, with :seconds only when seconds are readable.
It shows 11:48
